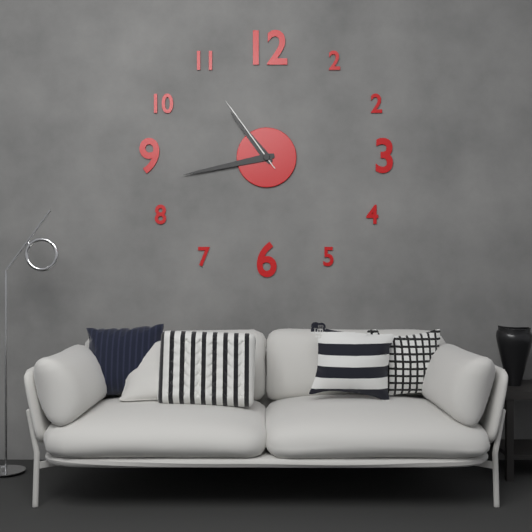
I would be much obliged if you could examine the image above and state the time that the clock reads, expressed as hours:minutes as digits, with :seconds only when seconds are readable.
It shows 10:43:54
